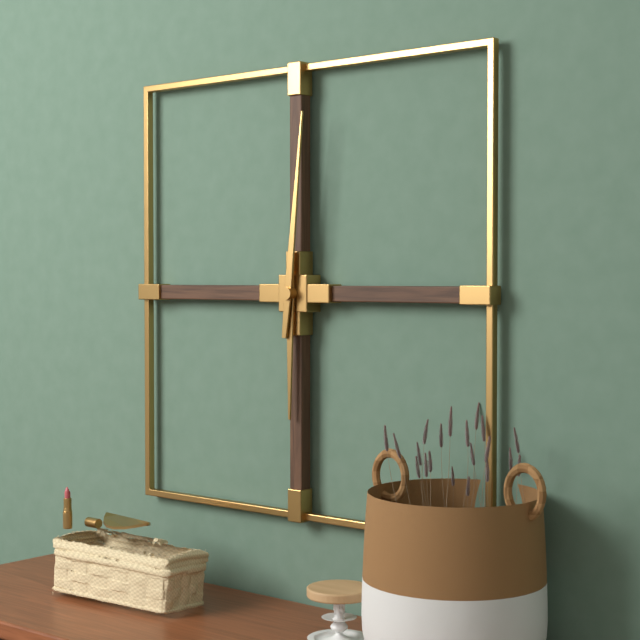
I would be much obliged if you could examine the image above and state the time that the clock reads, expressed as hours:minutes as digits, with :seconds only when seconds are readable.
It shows 6:01
